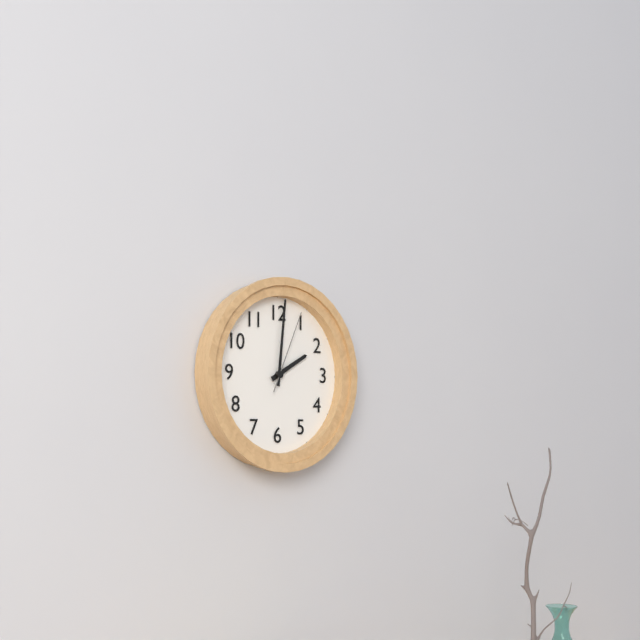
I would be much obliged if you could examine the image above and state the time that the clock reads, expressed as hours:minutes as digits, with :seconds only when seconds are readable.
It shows 2:01:04
